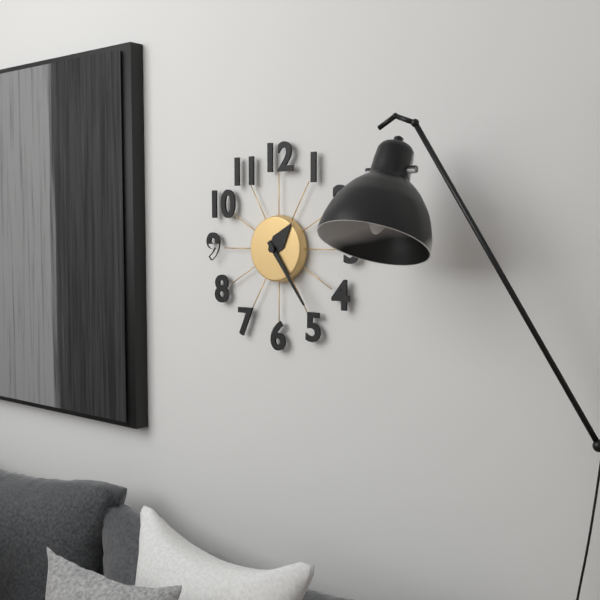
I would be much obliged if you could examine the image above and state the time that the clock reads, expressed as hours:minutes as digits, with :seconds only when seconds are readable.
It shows 1:24
